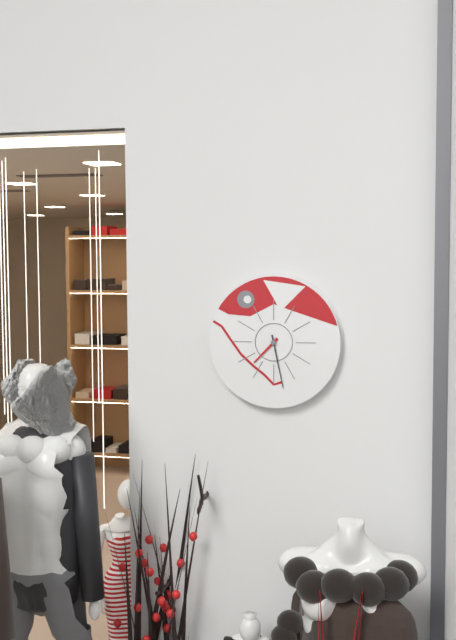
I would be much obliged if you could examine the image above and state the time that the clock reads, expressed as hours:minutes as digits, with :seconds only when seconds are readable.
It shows 7:28
